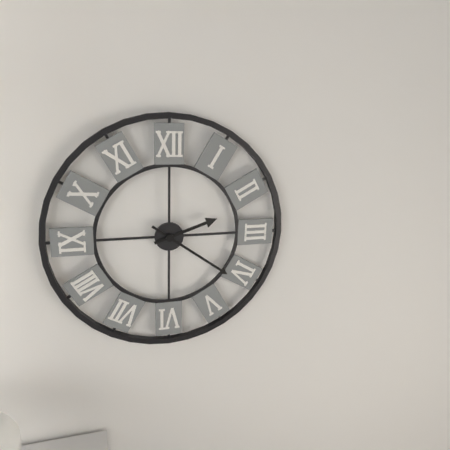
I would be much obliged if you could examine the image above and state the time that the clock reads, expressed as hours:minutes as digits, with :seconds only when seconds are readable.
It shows 2:21
